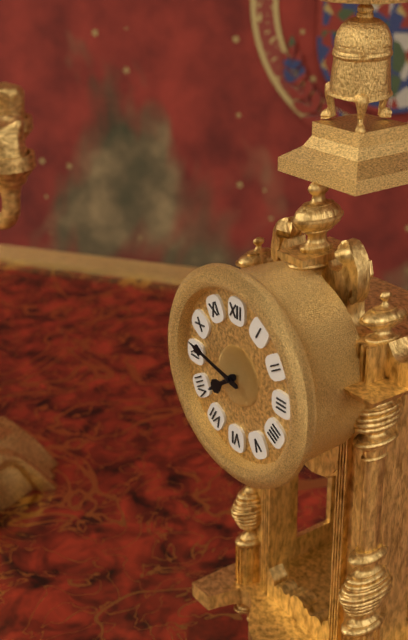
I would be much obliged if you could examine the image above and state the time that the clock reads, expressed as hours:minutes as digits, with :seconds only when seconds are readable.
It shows 7:47
